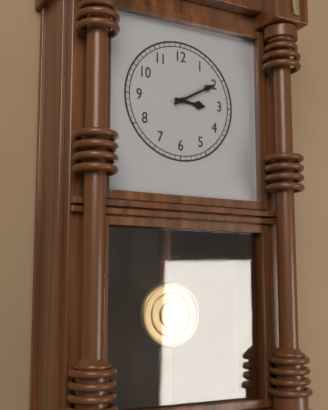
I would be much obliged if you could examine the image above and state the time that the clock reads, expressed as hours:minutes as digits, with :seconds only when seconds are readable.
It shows 3:10
